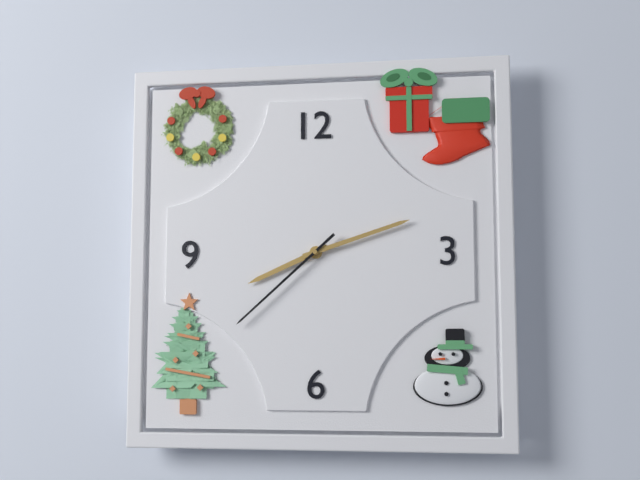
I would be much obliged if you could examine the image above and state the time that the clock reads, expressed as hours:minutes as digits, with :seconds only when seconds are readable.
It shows 8:12:38
